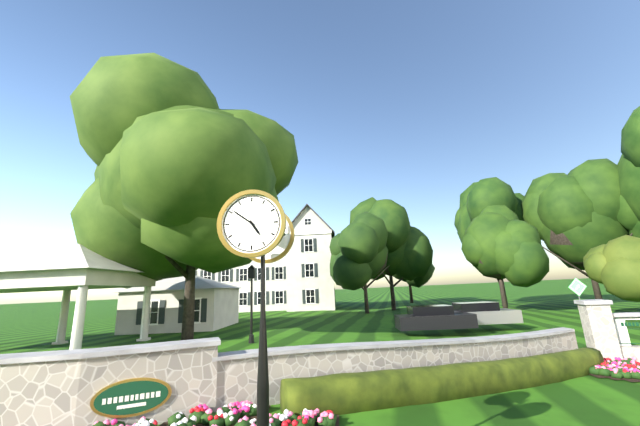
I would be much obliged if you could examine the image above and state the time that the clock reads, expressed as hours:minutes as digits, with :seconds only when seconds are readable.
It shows 4:51
